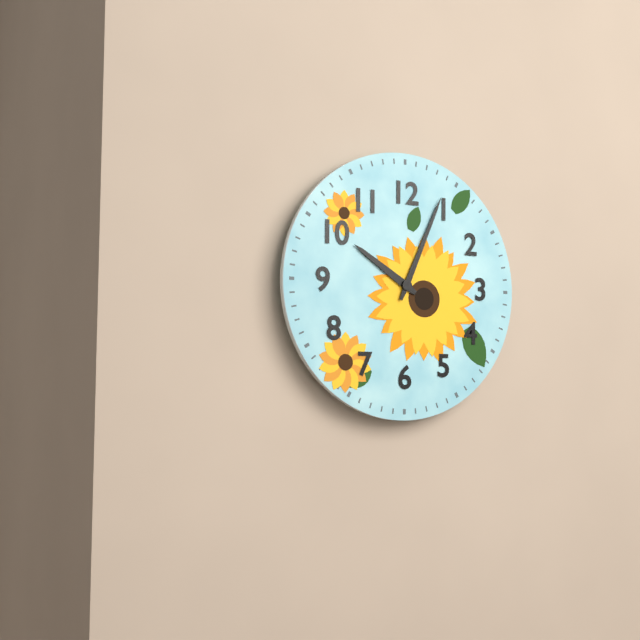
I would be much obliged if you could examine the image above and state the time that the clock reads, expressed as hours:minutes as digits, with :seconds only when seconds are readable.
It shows 10:04
